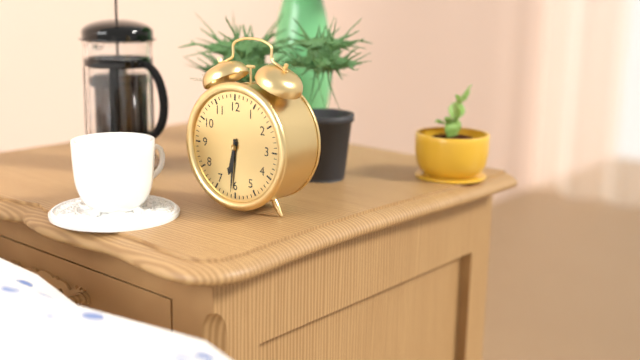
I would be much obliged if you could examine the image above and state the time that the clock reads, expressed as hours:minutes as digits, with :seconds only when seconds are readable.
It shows 6:31
